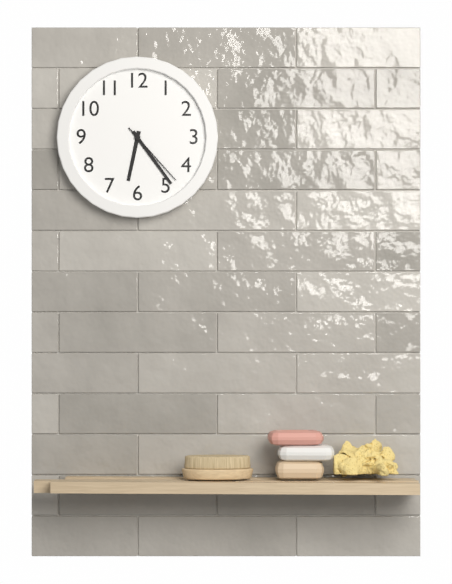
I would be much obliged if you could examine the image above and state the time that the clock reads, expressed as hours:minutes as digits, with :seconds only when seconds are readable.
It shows 6:24:23
